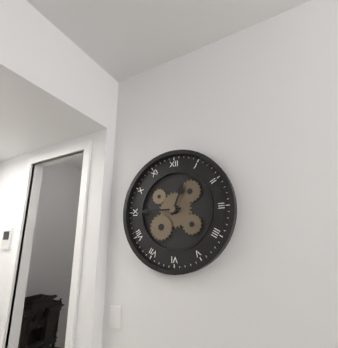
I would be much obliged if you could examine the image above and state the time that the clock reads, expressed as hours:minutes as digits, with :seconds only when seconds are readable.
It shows 12:45
